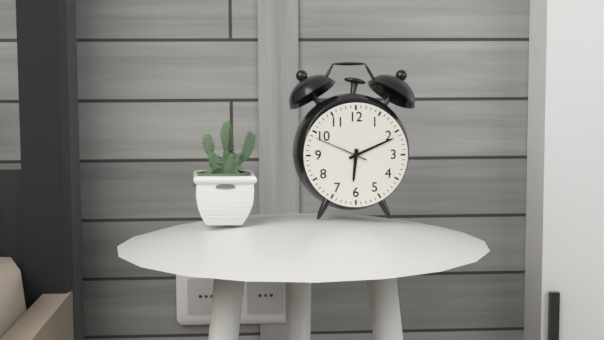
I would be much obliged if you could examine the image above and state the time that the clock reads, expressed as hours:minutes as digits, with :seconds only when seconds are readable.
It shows 6:11:49
